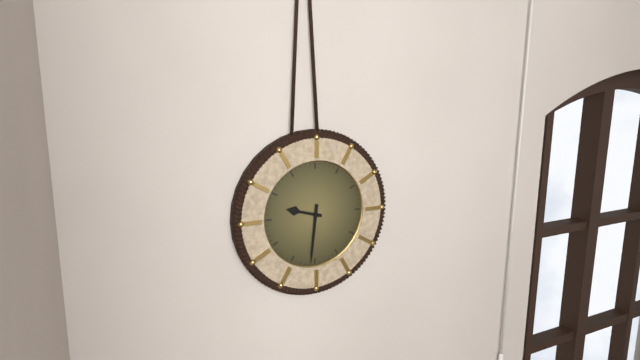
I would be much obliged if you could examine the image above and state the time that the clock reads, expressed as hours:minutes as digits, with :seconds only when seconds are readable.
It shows 9:31
